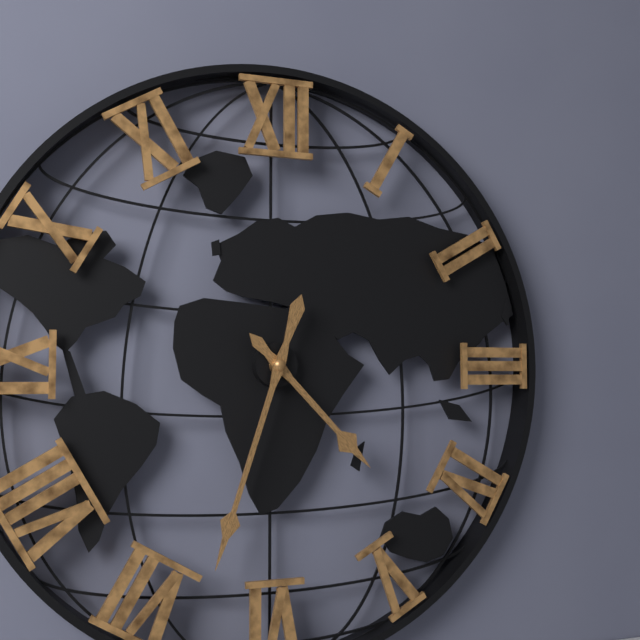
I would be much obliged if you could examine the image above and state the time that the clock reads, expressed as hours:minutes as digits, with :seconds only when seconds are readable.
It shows 4:33
